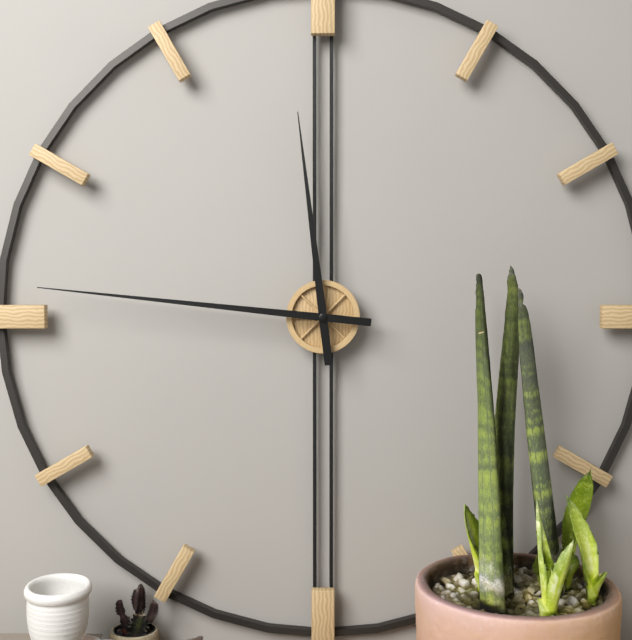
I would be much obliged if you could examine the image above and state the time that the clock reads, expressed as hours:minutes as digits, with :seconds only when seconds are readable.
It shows 11:46
